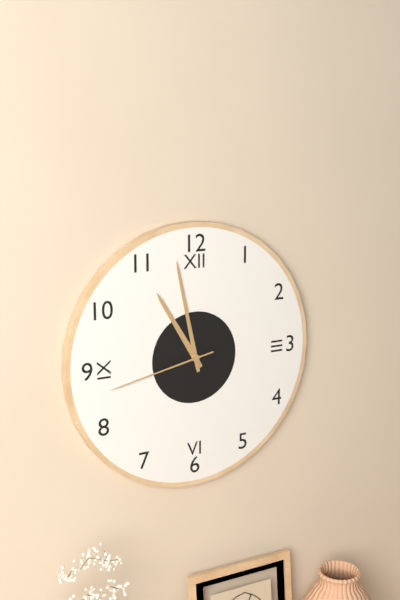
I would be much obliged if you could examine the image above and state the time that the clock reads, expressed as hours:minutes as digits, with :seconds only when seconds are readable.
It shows 10:58:43
